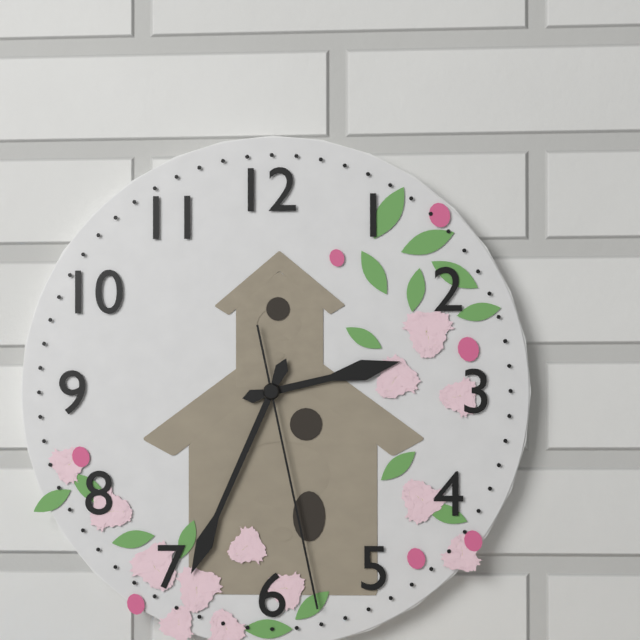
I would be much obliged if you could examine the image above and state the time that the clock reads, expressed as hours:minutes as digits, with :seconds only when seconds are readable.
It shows 2:34:28
